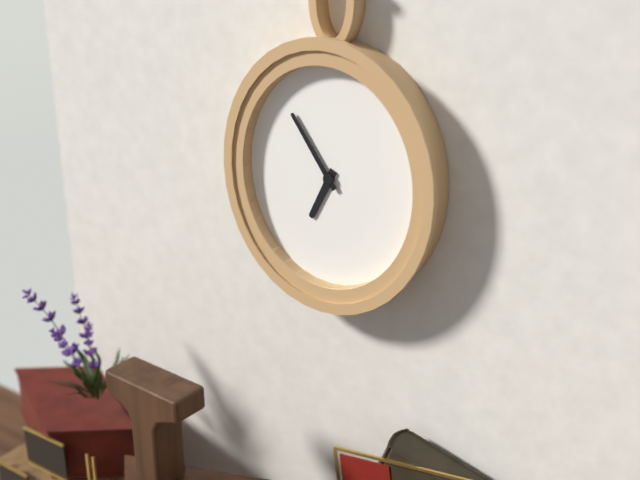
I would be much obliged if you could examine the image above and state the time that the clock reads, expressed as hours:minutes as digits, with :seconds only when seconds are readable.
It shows 6:54
